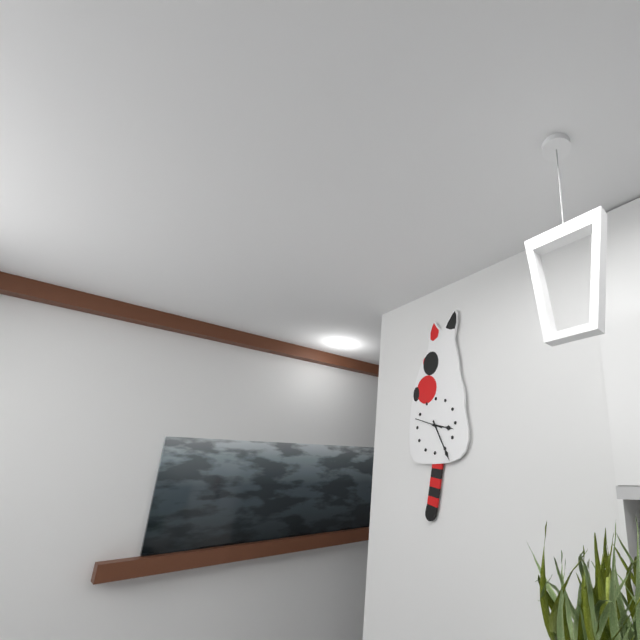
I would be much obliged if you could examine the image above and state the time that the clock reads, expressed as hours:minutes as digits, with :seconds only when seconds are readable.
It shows 3:25
